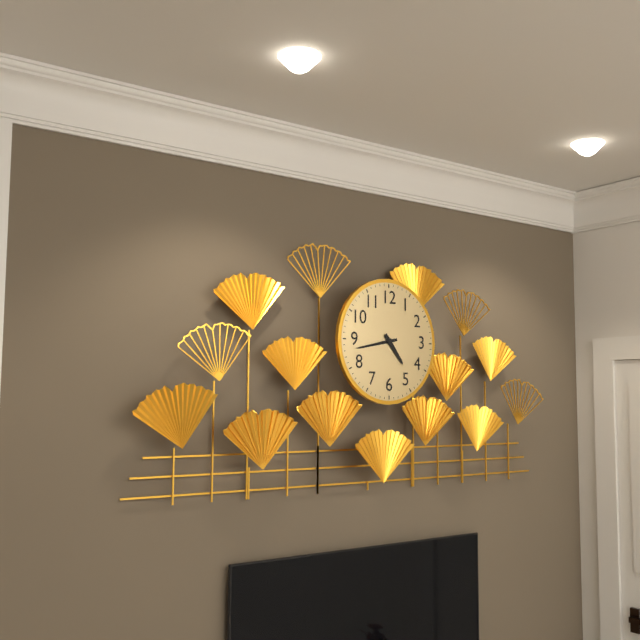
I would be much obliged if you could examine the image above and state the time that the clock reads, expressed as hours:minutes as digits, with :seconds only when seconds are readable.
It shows 4:43
